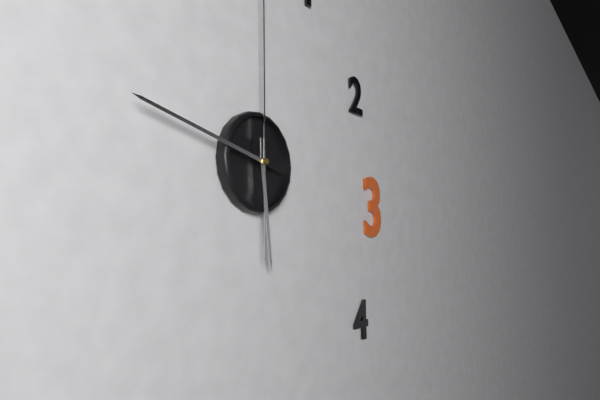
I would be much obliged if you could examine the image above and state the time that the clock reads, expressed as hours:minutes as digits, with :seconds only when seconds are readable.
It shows 5:47
